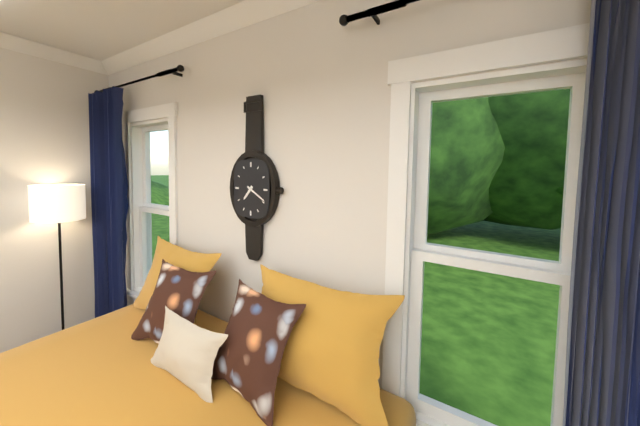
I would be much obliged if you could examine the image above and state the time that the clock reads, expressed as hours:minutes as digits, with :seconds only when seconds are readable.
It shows 7:20
